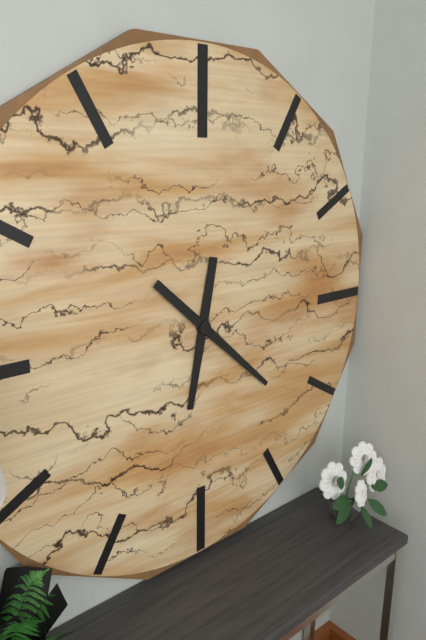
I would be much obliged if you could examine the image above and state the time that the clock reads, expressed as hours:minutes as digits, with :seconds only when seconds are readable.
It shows 6:22
